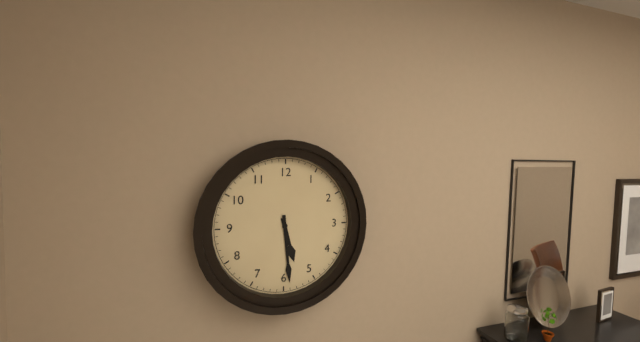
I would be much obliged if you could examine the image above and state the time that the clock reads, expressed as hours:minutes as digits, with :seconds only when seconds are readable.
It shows 5:29
